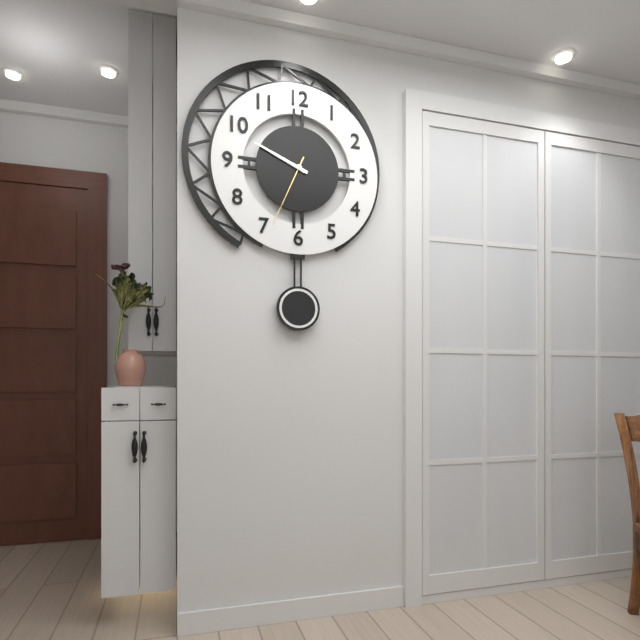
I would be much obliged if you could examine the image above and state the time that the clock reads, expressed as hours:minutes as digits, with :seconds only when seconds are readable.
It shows 9:49:34
